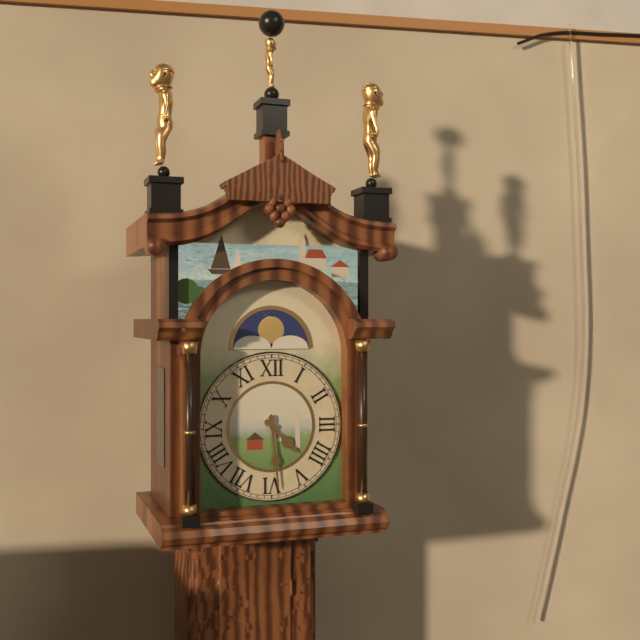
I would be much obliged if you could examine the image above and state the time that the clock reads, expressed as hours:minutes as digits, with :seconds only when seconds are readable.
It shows 4:29
